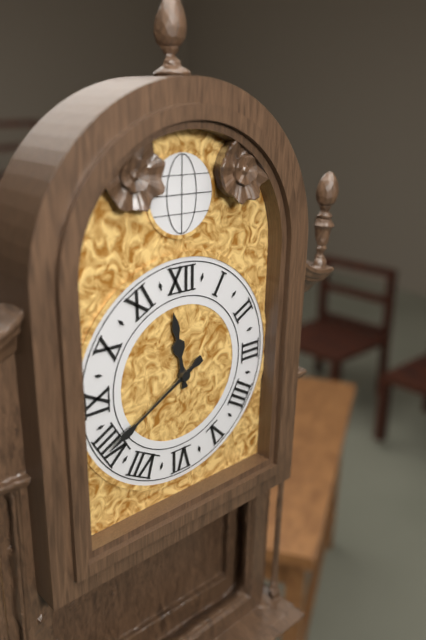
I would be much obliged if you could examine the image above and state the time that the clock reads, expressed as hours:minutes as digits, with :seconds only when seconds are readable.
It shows 11:40
